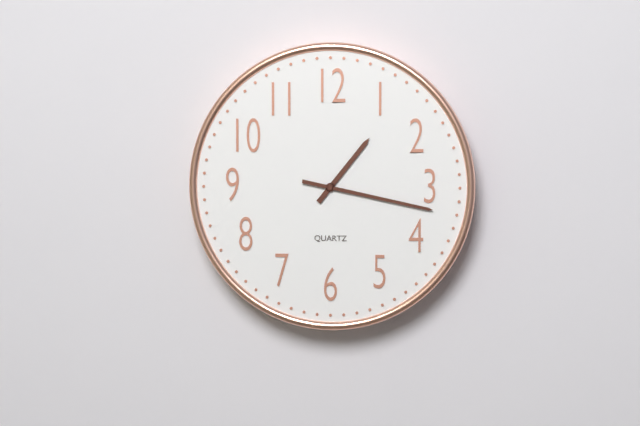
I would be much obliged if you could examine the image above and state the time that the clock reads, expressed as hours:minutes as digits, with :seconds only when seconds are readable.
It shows 1:17
